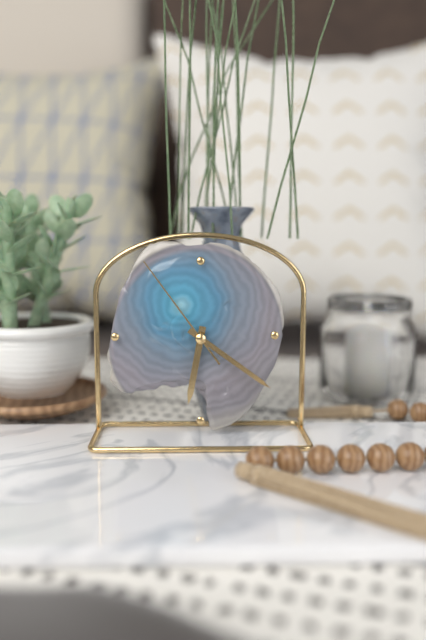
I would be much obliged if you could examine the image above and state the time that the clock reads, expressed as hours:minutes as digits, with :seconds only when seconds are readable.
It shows 6:21:54
